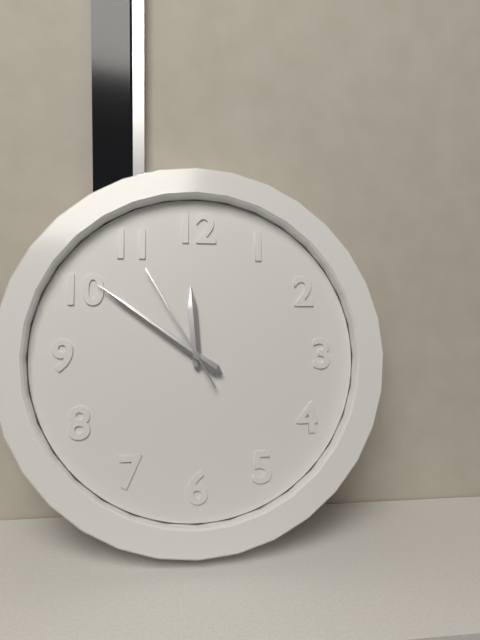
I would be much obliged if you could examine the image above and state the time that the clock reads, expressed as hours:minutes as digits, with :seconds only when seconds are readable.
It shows 11:51:55
